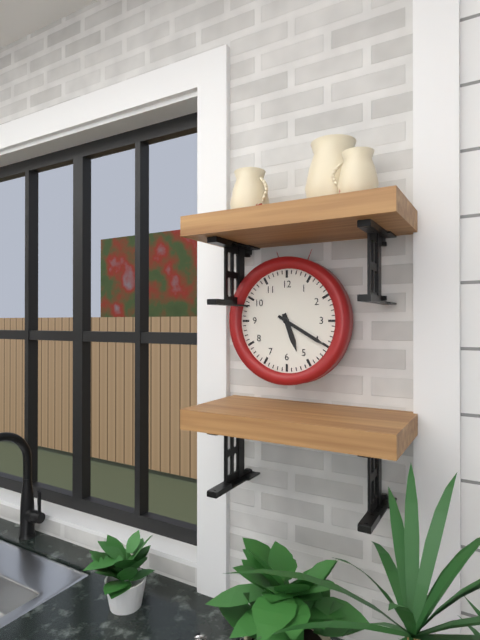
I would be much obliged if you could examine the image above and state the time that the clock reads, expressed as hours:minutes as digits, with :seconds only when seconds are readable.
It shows 5:20
